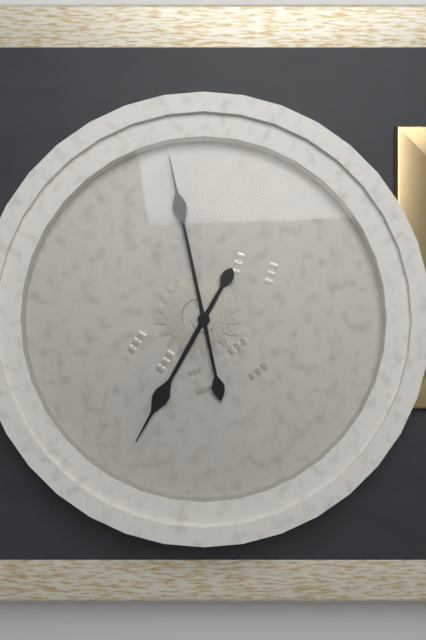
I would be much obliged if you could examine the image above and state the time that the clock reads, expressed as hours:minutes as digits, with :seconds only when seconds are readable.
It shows 6:58
